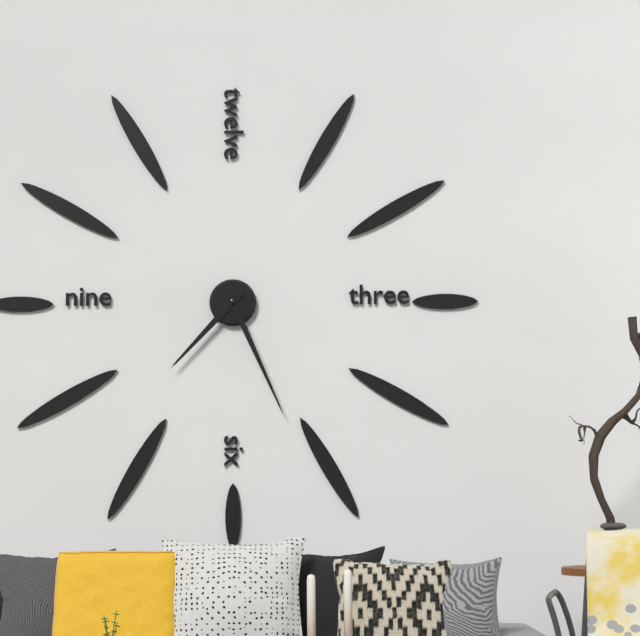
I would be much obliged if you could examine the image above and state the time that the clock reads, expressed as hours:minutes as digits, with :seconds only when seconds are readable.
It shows 7:26
